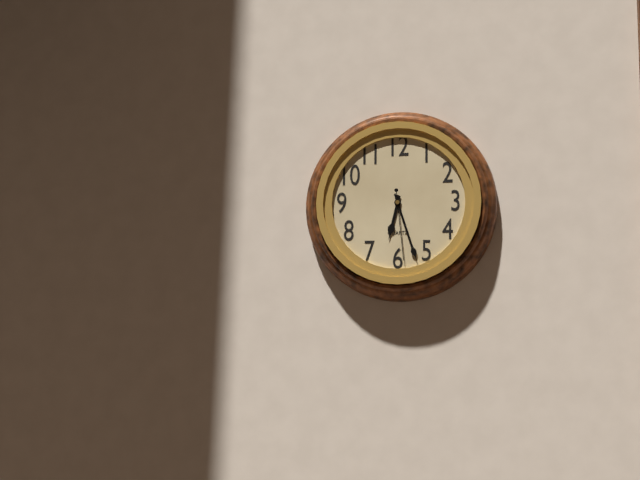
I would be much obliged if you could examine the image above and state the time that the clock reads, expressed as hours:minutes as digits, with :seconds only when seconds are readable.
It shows 6:27:29
